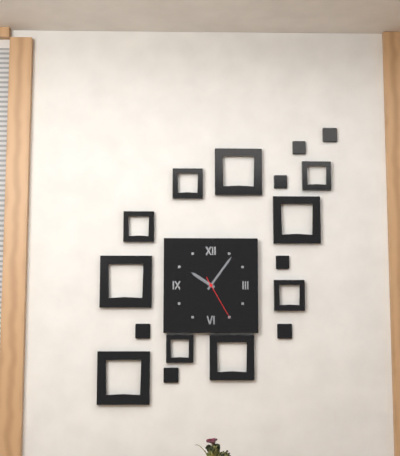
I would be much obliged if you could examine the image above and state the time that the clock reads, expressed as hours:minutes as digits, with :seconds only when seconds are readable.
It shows 10:06
